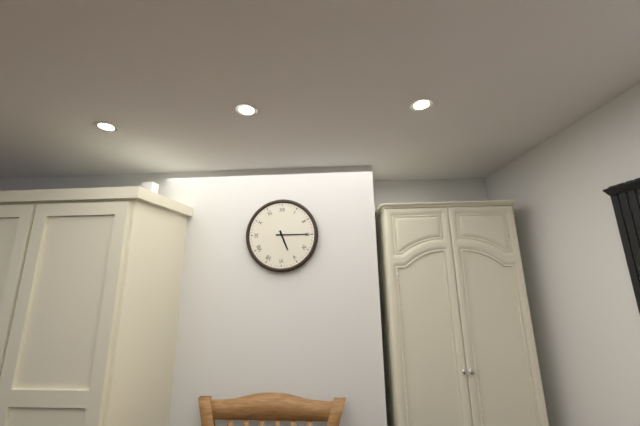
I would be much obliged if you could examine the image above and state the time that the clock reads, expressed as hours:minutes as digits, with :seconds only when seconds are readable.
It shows 5:15
